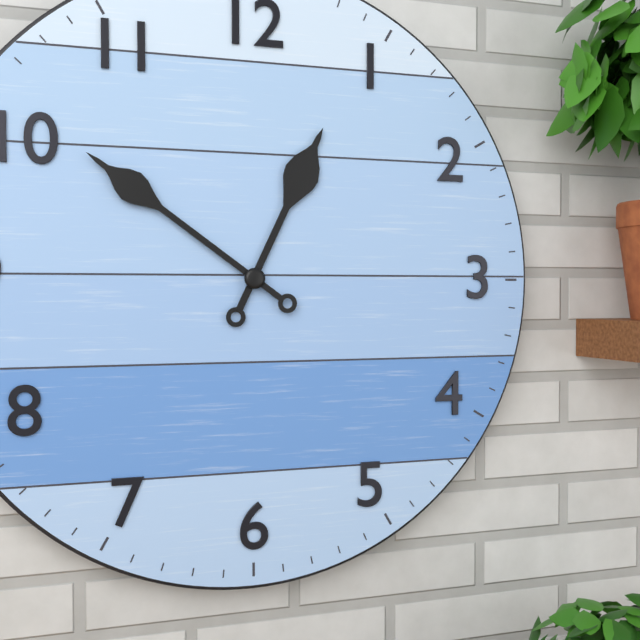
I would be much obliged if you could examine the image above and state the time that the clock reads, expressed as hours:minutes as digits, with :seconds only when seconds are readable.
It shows 12:51
